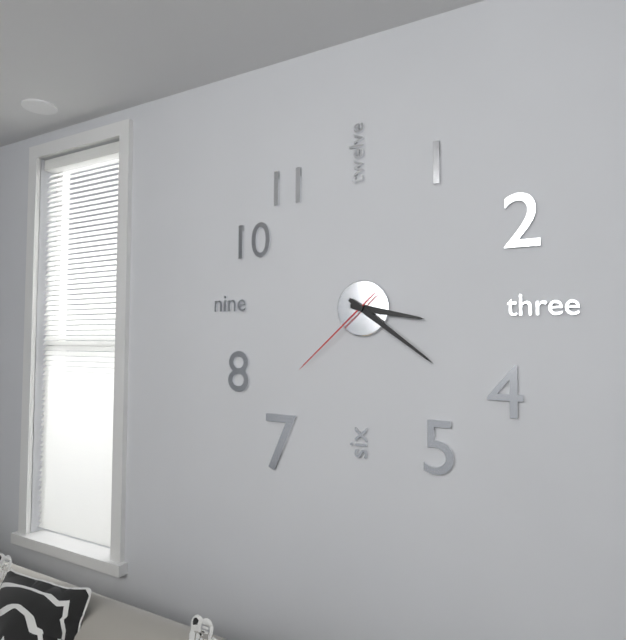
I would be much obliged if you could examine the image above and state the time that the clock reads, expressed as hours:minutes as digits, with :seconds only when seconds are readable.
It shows 3:21:38
